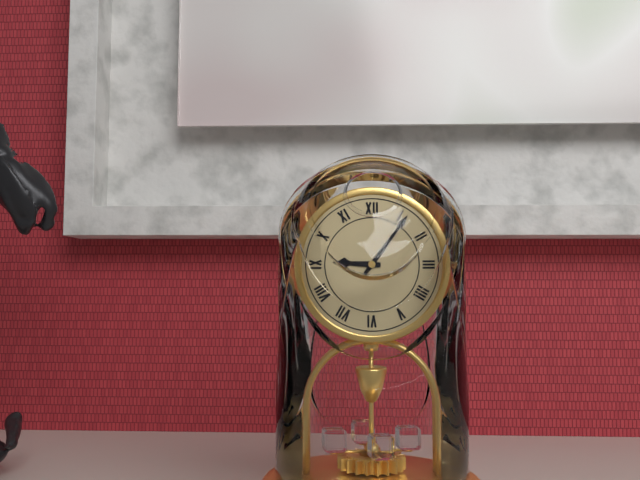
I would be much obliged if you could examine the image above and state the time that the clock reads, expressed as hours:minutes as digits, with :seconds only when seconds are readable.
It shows 9:06
